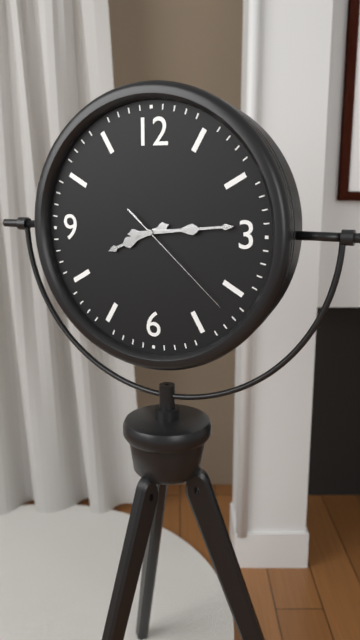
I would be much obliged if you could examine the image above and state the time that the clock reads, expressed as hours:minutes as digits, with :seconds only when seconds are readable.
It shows 8:14:22
